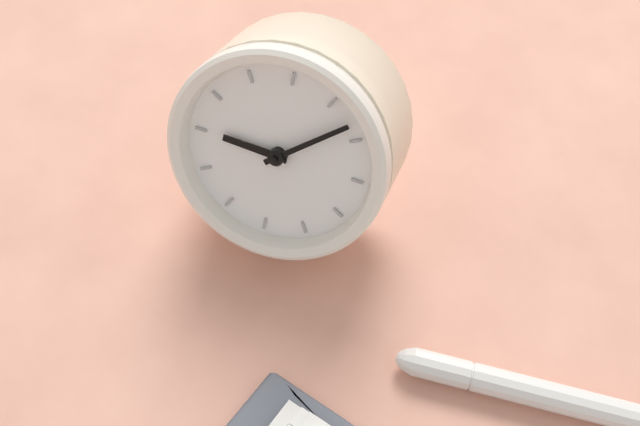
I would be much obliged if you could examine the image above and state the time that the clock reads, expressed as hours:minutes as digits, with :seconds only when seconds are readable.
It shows 8:03
